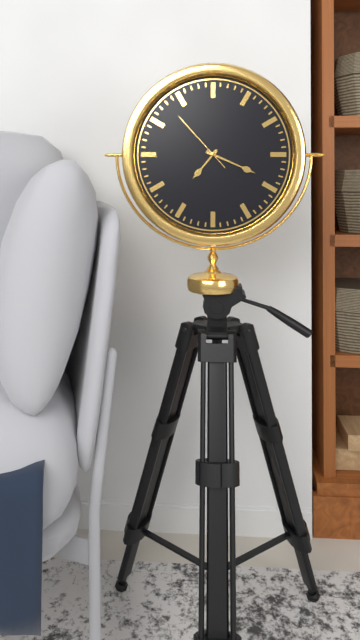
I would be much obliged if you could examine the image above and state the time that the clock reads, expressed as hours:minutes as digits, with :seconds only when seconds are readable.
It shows 7:19:53
